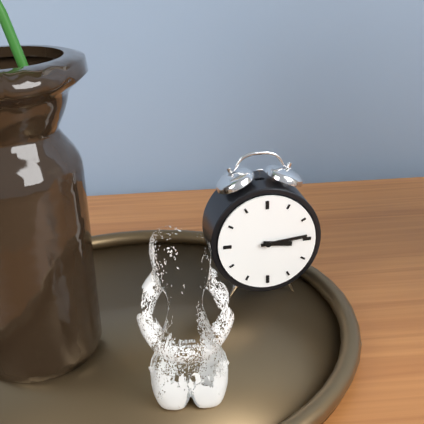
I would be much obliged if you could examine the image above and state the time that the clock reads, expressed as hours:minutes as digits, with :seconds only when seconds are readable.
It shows 3:14
